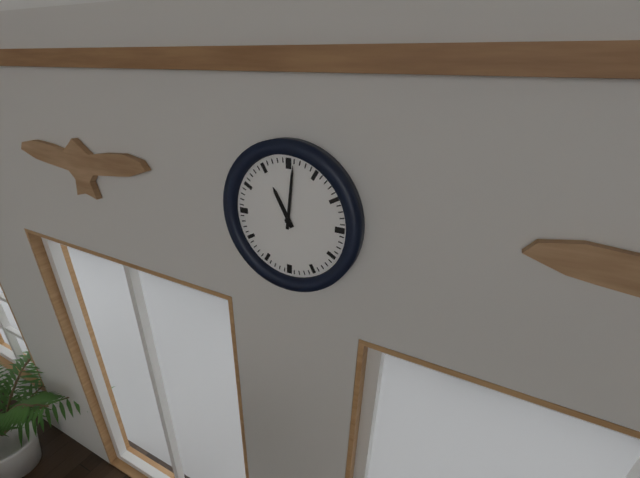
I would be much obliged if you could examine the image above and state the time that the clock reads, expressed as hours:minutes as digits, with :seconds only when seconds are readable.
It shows 11:01
